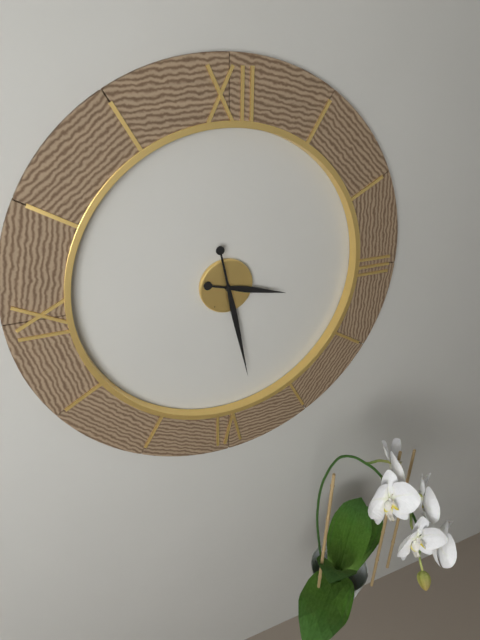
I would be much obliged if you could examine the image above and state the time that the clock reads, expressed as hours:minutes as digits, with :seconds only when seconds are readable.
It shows 3:28
